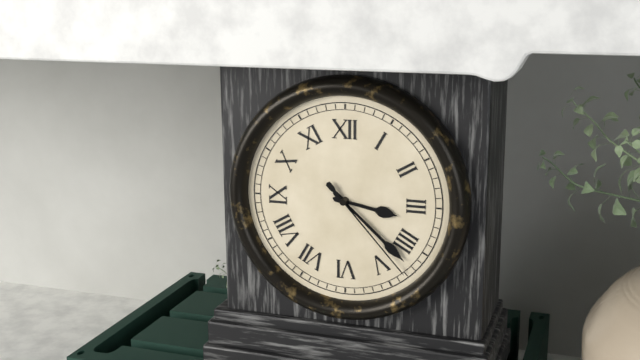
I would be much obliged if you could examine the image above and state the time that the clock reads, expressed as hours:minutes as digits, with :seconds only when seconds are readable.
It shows 3:22:23
